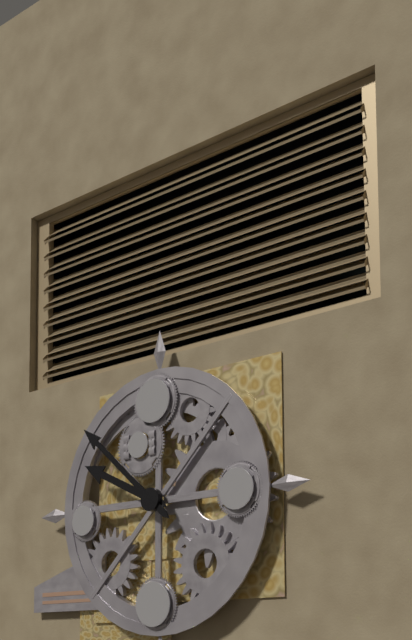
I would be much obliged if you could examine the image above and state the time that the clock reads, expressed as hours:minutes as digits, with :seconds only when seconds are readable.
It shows 9:52
